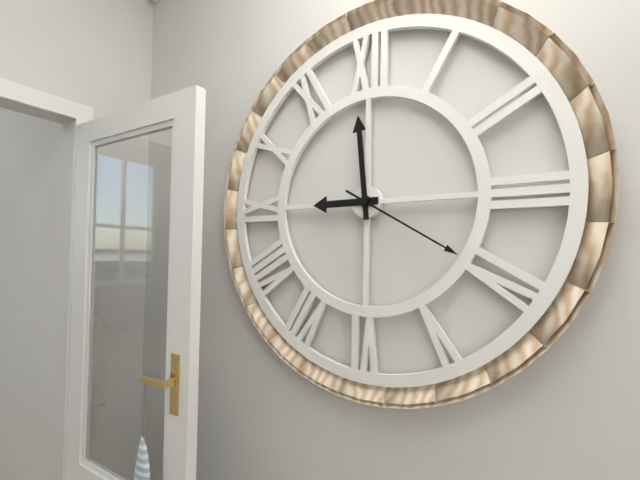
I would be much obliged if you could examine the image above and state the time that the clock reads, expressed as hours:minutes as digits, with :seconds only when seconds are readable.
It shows 8:59:20
